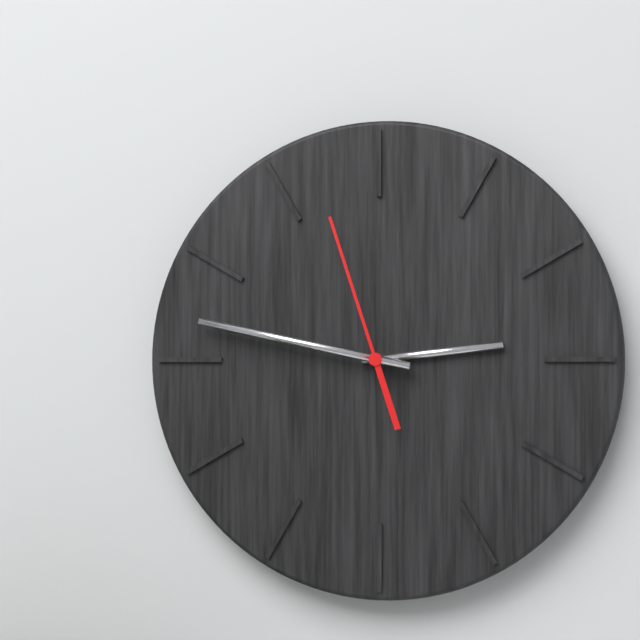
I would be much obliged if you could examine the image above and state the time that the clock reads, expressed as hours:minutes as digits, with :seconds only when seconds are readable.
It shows 2:47:57
